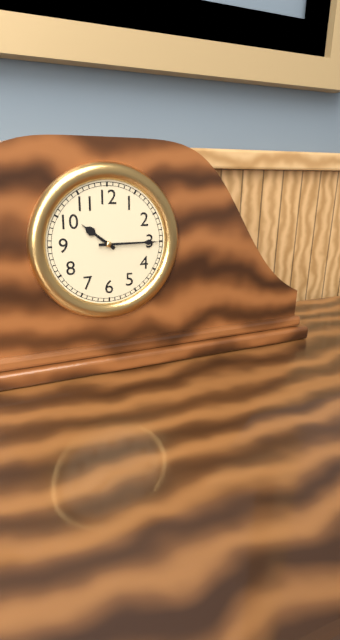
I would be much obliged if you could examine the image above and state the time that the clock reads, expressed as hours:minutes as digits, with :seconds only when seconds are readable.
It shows 10:15
